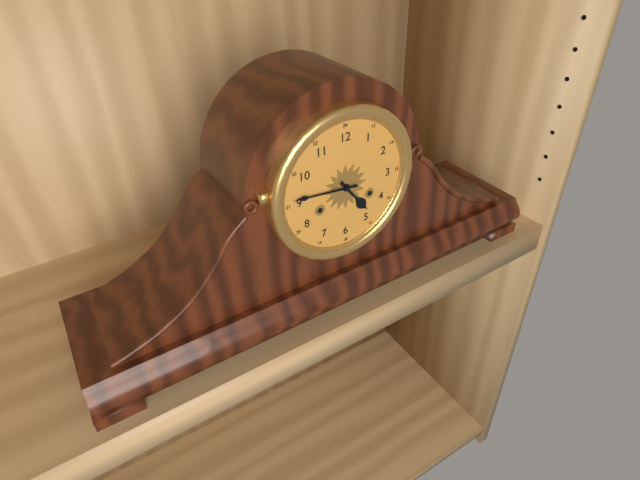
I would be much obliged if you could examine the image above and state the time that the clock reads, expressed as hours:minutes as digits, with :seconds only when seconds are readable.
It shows 4:46
